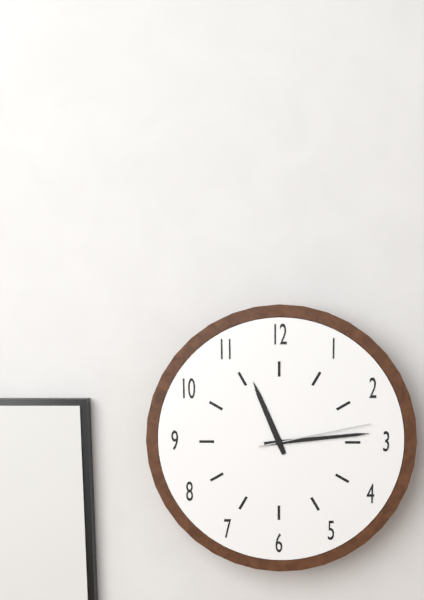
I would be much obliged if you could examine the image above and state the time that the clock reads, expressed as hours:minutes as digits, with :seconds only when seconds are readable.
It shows 11:14:13
